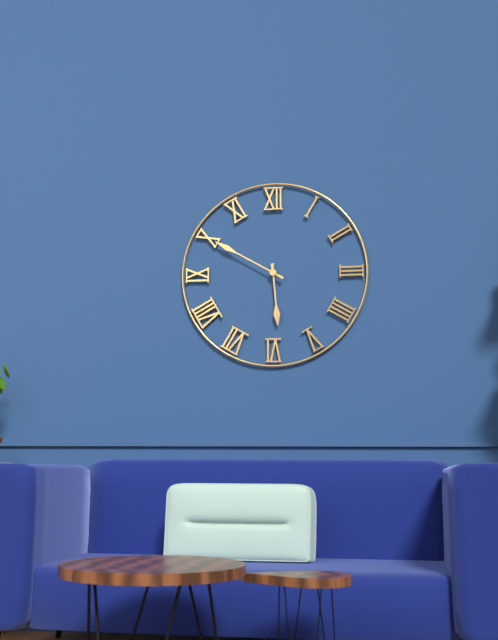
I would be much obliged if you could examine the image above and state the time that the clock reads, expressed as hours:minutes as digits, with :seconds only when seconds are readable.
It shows 5:50
